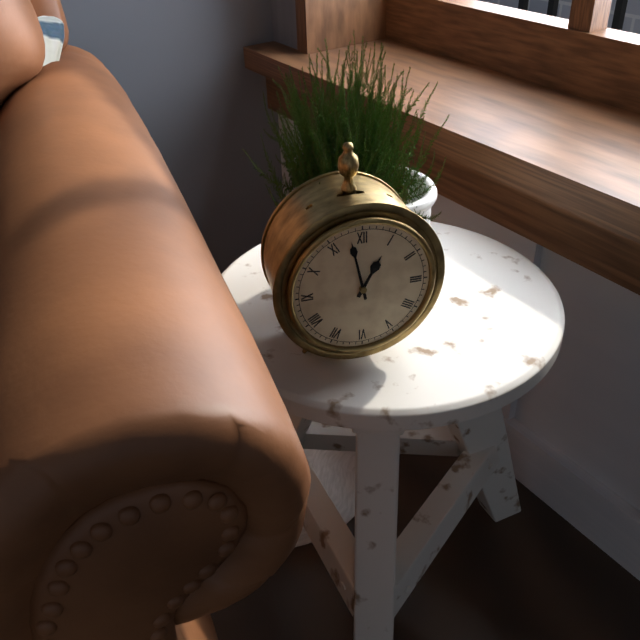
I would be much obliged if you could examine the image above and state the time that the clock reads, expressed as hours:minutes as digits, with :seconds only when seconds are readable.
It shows 12:58
